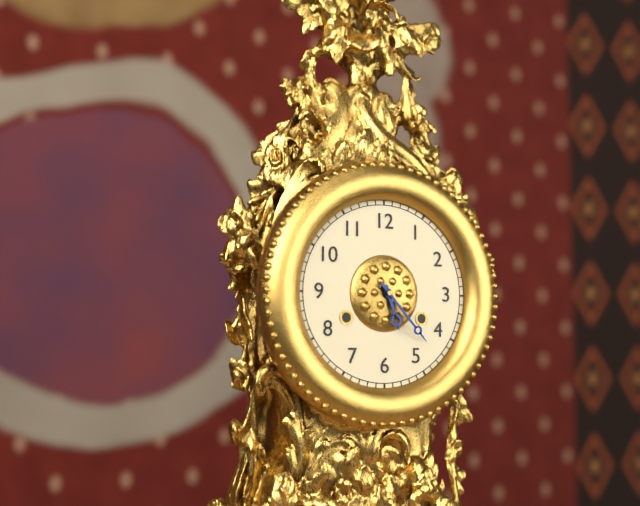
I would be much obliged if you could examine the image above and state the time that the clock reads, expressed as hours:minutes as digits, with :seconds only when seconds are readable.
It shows 5:23
